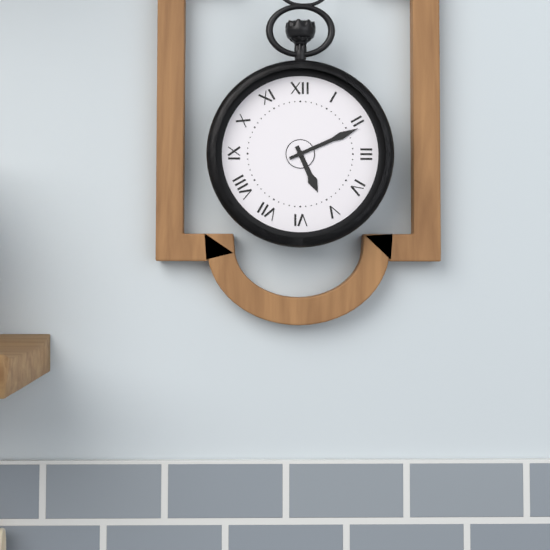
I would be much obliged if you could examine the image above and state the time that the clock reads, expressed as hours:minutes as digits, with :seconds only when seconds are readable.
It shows 5:11
